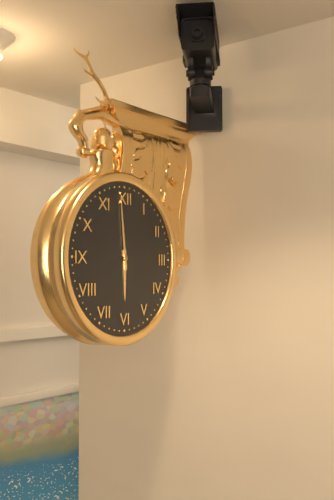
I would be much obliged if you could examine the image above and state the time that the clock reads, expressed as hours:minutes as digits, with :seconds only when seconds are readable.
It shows 5:59
